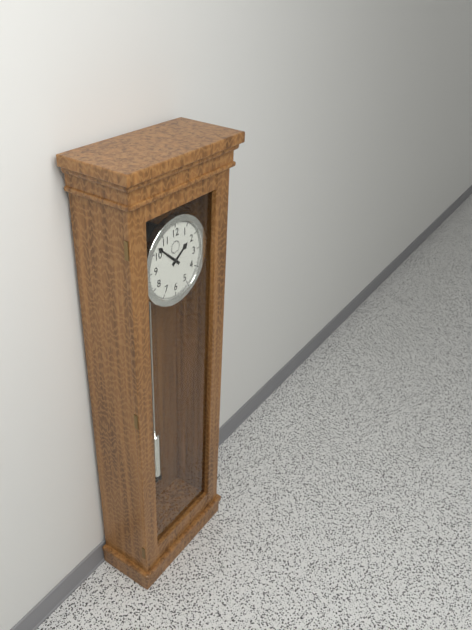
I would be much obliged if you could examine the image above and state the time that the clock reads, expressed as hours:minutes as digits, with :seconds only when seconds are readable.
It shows 1:52
